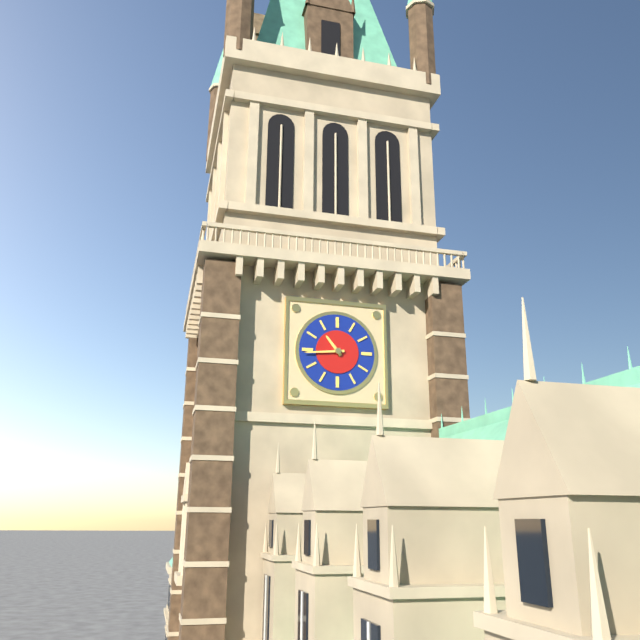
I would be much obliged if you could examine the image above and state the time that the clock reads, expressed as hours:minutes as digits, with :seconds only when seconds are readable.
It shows 10:44
